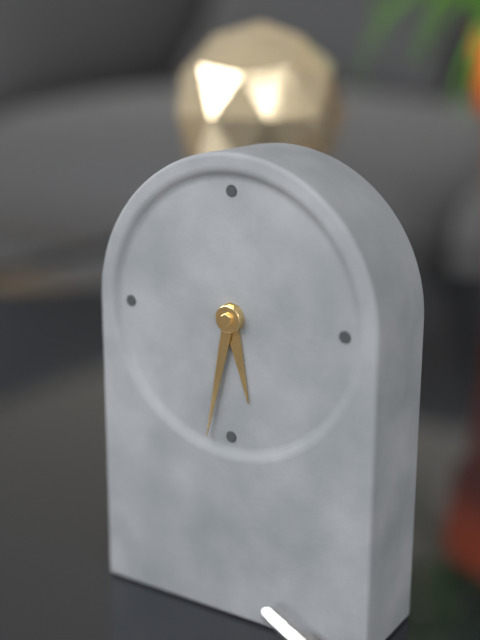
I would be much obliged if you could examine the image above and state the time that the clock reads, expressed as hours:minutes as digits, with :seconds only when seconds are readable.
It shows 5:32
